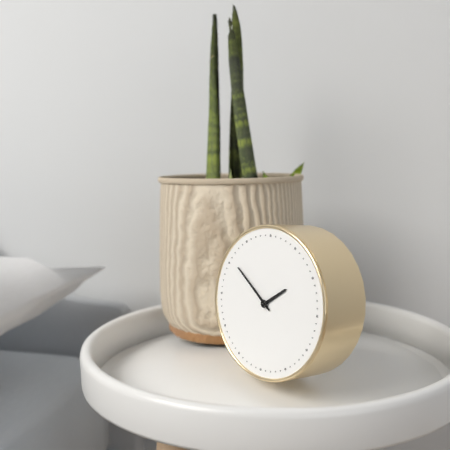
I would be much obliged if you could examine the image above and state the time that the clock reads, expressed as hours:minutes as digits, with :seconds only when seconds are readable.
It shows 1:51
